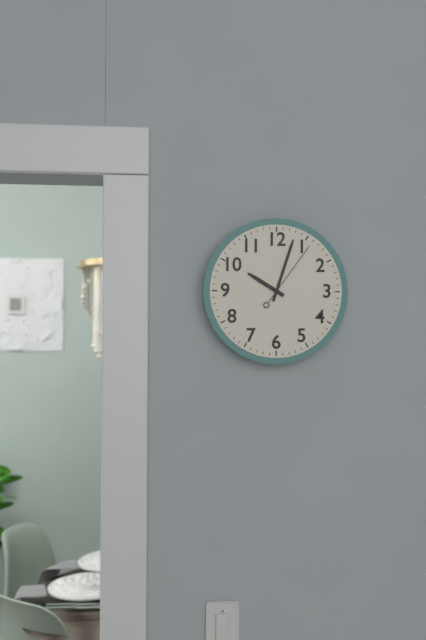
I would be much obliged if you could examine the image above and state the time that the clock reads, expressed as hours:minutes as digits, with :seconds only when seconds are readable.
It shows 10:03:06
